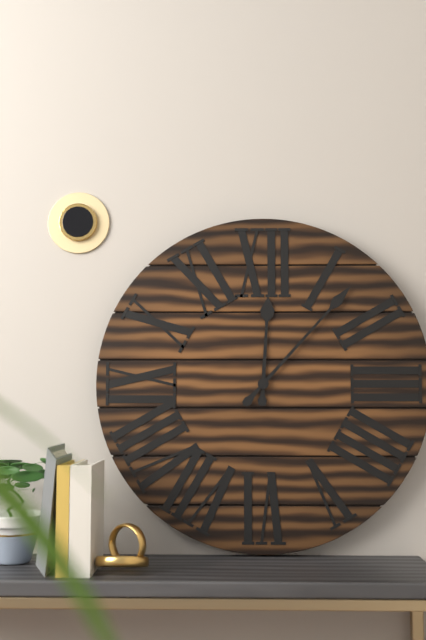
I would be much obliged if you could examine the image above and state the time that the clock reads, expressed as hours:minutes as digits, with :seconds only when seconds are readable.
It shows 12:07
